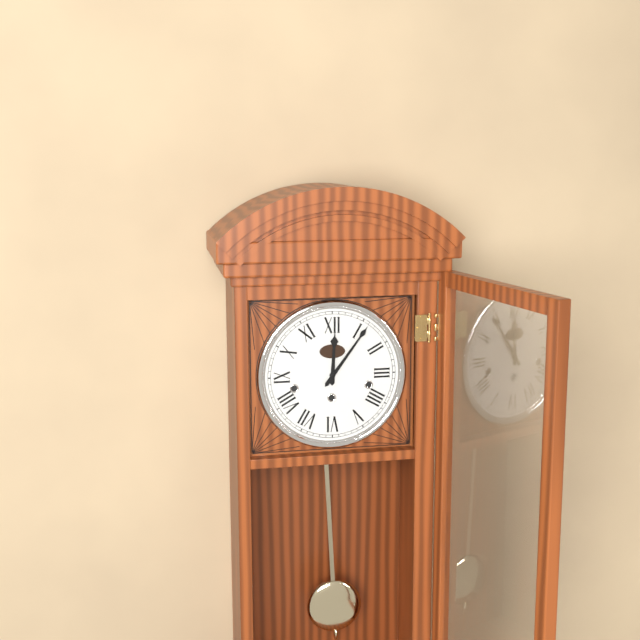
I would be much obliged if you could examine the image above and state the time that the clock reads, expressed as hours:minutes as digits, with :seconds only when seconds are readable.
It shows 12:06
